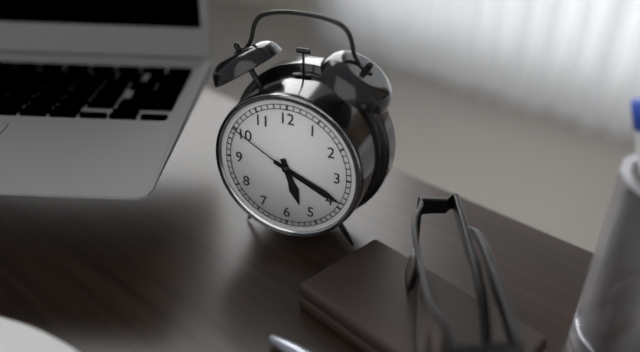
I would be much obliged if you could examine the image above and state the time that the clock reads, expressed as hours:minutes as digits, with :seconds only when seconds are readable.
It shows 5:19:50
